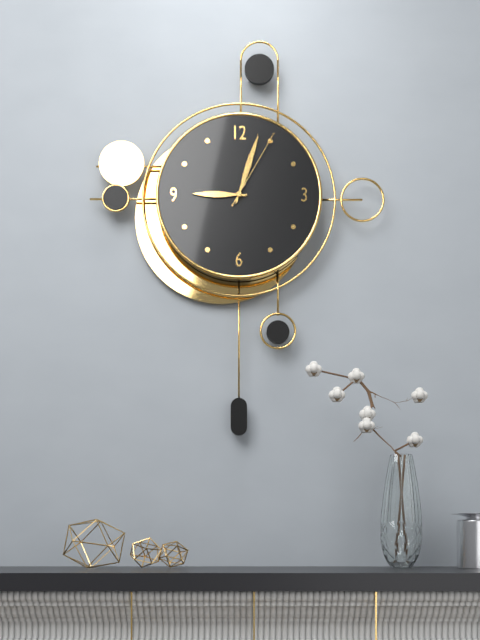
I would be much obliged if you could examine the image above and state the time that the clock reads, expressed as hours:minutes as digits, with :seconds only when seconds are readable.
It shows 9:03:05
